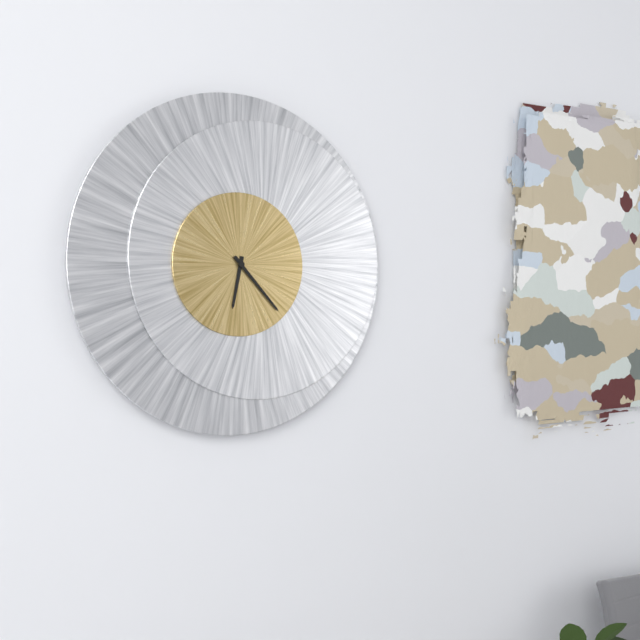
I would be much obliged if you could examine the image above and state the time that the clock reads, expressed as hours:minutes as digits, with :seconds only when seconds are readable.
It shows 6:23
